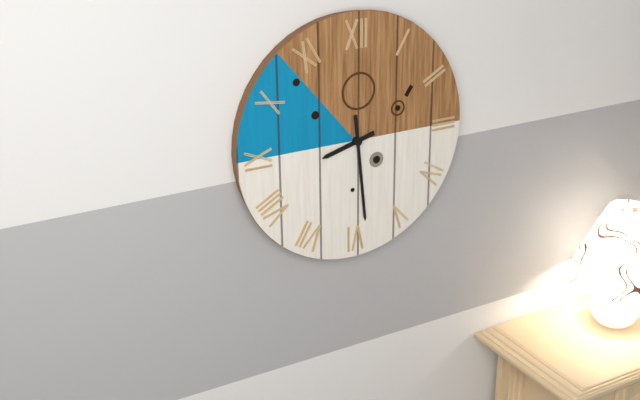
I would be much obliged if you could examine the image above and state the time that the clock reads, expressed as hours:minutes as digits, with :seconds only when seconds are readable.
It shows 8:29
